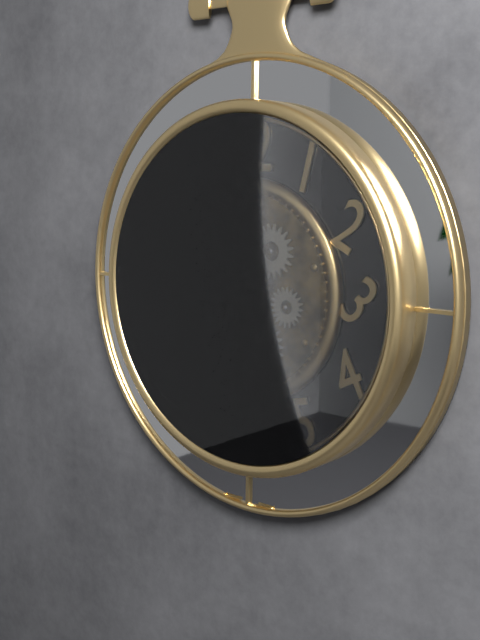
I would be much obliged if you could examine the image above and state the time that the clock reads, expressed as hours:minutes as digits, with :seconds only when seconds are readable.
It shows 8:36
